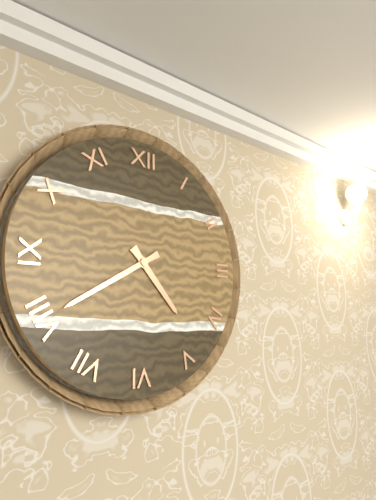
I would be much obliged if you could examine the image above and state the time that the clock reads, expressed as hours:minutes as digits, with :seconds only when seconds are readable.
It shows 4:40
